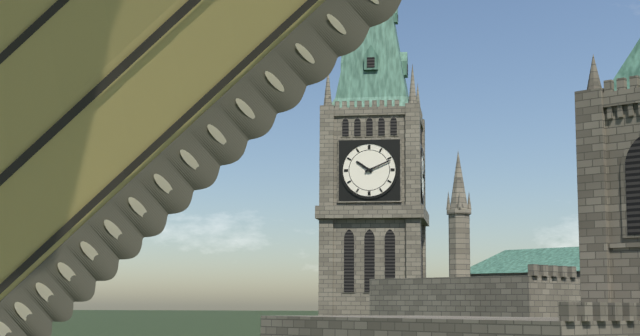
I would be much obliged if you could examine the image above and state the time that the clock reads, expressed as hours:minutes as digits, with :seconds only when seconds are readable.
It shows 10:11
